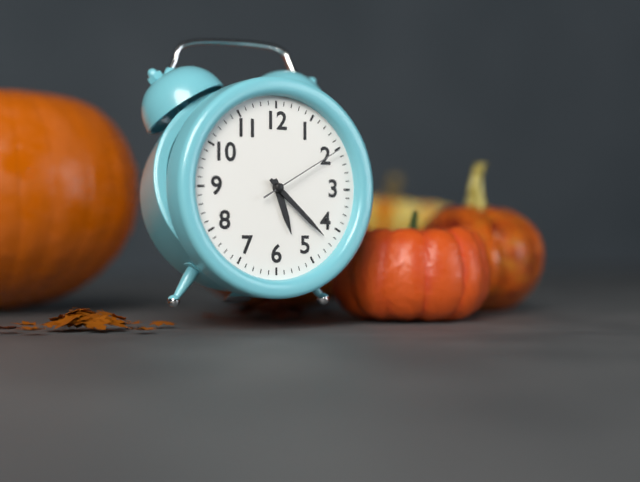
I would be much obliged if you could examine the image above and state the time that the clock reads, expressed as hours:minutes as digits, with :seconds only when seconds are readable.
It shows 5:22:10
